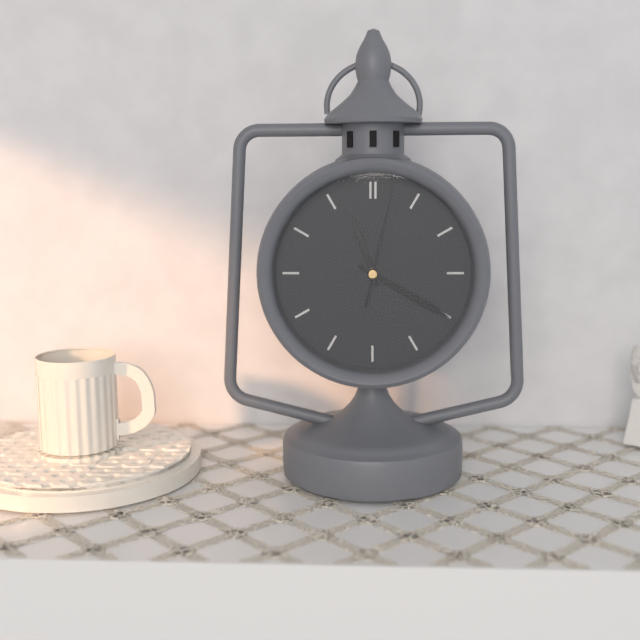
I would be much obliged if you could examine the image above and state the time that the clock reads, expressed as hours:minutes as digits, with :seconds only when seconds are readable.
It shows 11:20:02
